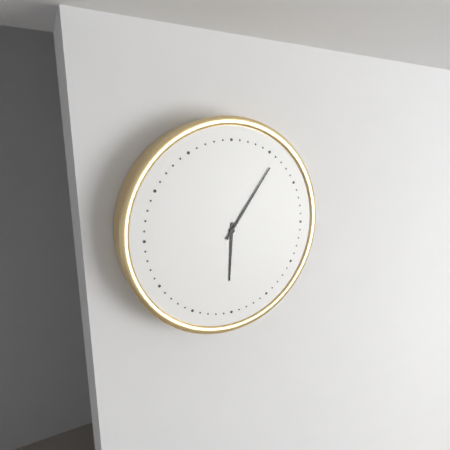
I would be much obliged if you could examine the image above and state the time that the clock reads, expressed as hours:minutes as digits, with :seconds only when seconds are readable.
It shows 6:06
